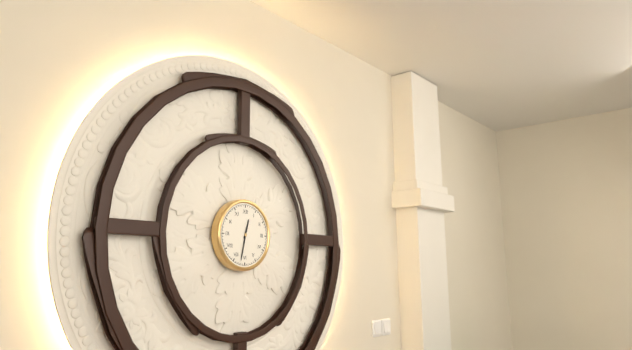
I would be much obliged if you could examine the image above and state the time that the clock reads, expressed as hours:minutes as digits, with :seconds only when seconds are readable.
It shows 12:32
